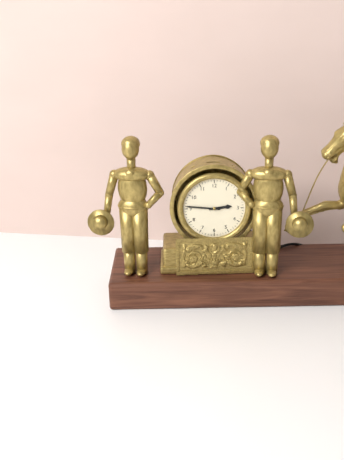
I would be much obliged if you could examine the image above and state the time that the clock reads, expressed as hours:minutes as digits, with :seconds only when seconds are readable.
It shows 2:46
